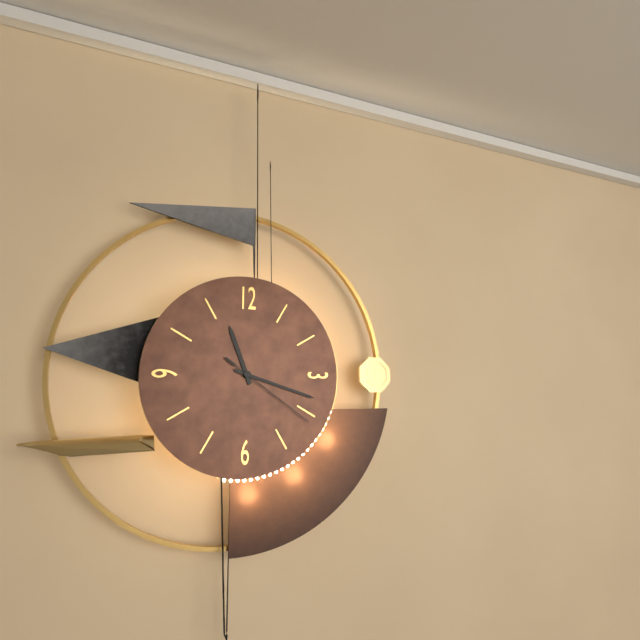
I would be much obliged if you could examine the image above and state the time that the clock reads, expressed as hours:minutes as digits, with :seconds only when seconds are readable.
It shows 11:18:21
